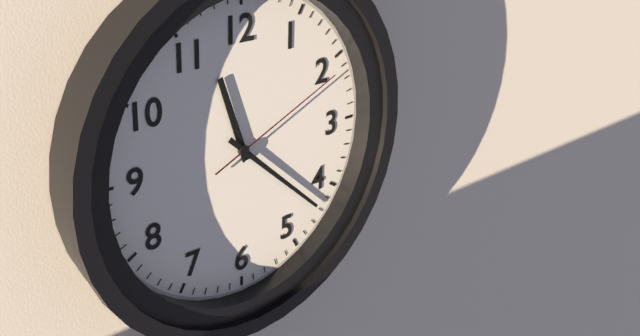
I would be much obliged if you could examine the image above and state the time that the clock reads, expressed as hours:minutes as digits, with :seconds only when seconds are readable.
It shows 11:22:11
